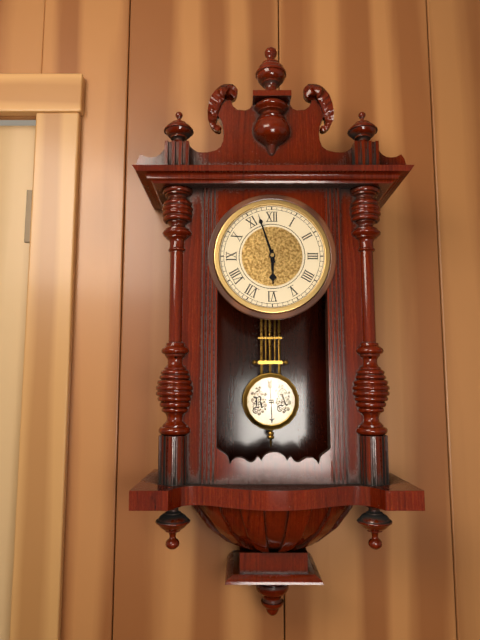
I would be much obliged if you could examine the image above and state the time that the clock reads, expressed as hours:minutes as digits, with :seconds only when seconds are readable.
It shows 5:57
